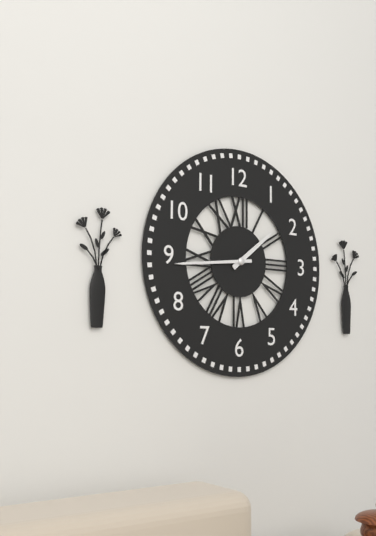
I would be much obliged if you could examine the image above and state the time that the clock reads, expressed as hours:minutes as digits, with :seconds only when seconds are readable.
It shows 1:44
